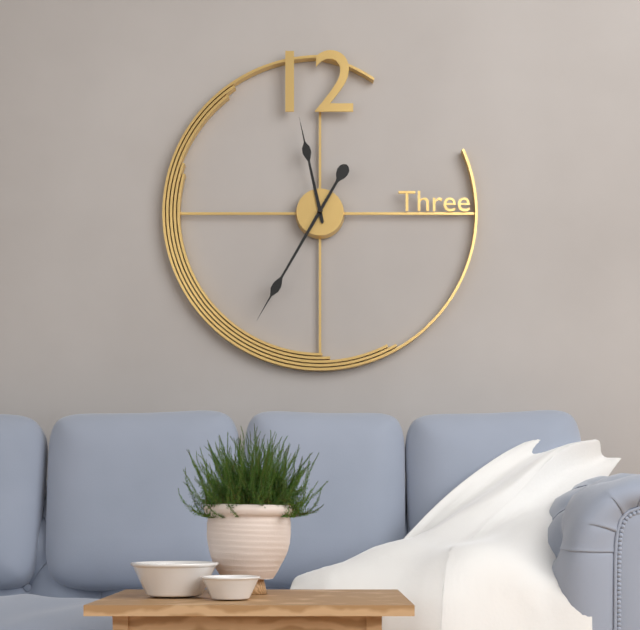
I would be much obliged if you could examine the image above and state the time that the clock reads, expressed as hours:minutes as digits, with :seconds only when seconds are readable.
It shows 11:35
